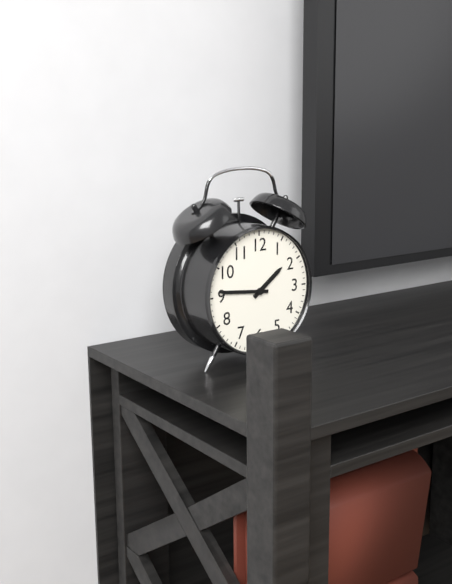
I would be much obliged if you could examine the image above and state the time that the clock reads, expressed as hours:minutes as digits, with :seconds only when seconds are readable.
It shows 1:46
